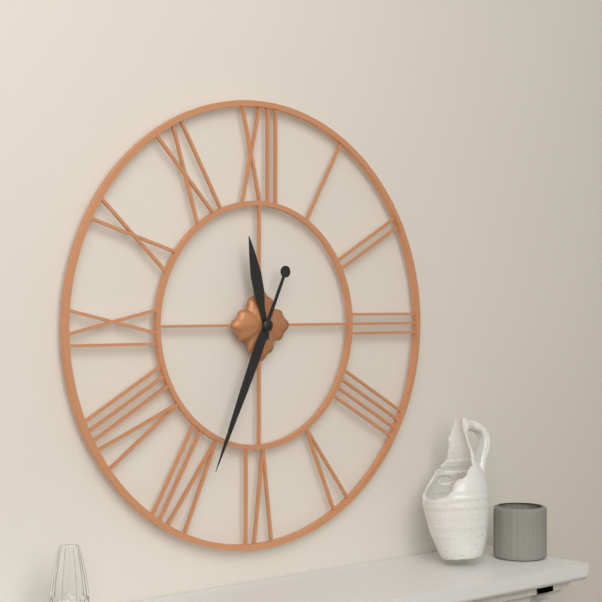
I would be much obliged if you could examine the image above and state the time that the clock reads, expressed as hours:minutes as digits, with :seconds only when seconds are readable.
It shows 11:34
